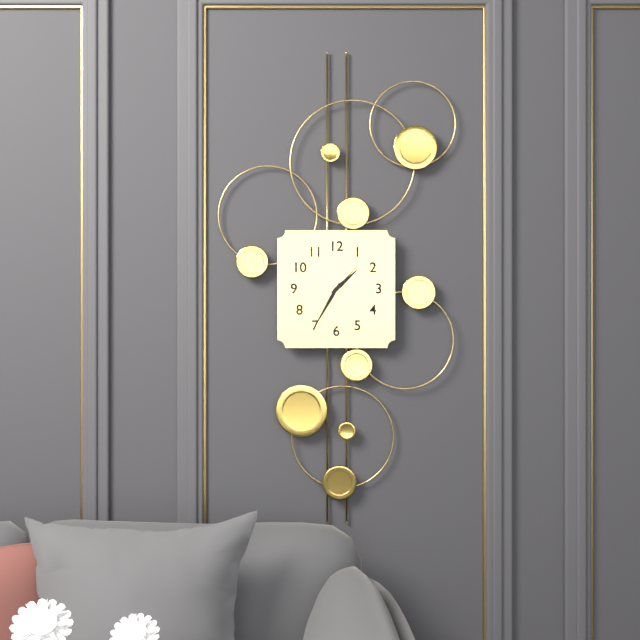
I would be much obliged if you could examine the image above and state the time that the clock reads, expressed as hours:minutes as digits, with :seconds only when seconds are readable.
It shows 1:35
